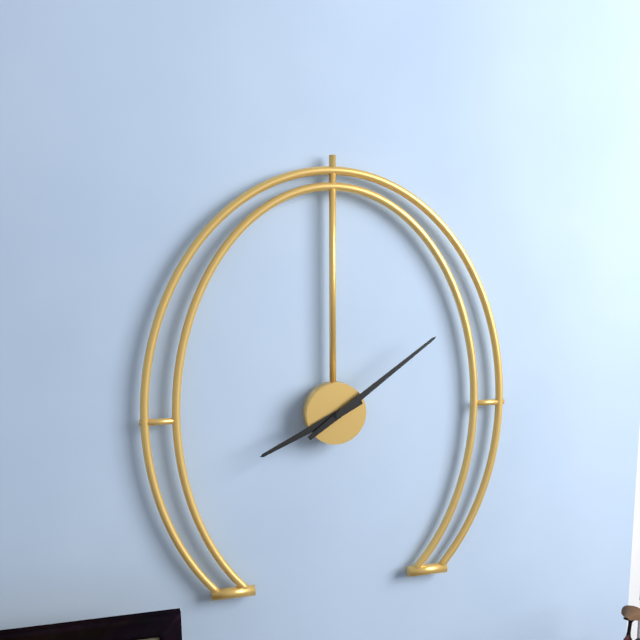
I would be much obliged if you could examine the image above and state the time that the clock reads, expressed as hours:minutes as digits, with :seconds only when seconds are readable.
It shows 8:09
